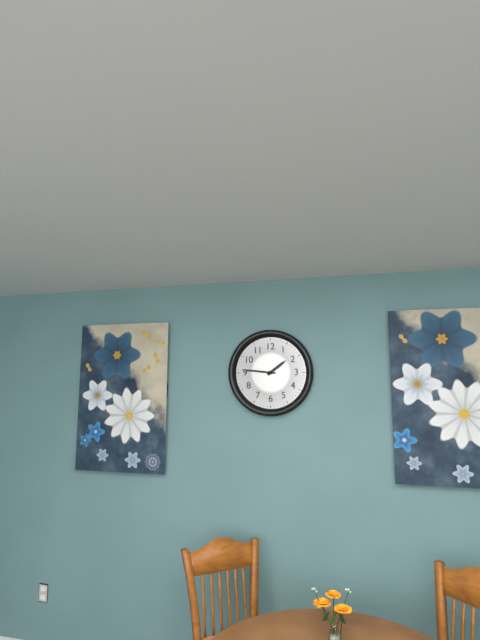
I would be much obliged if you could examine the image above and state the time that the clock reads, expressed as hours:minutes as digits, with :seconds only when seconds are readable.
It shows 1:46
